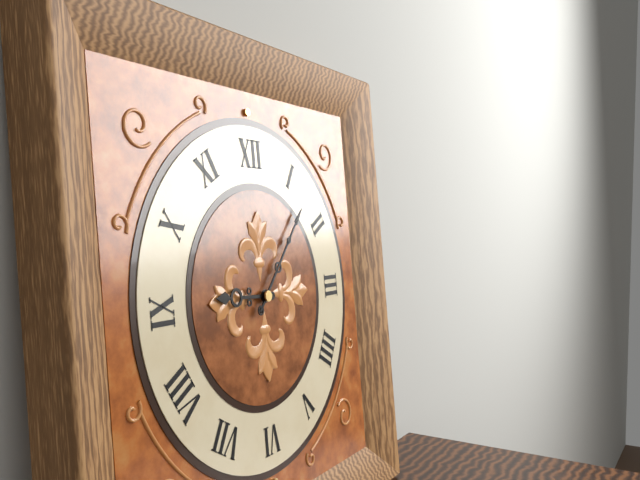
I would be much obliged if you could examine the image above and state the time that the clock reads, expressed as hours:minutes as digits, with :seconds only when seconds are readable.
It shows 9:07
